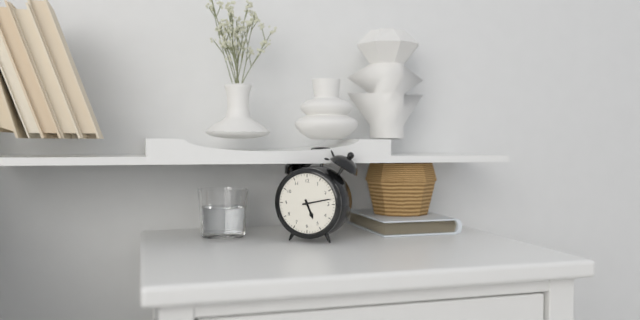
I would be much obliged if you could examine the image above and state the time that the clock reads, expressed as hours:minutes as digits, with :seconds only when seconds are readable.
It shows 5:13
